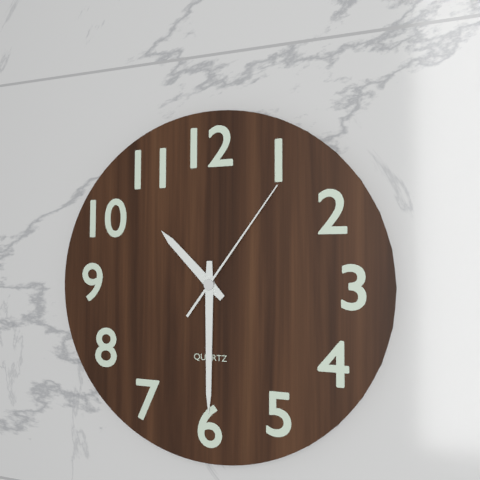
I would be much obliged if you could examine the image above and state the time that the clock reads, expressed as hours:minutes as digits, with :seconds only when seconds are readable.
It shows 10:30:06
